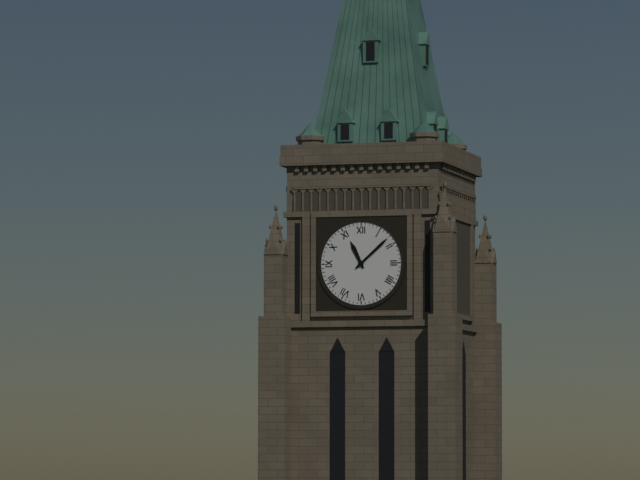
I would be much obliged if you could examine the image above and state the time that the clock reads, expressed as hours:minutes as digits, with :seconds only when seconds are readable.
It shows 11:08
